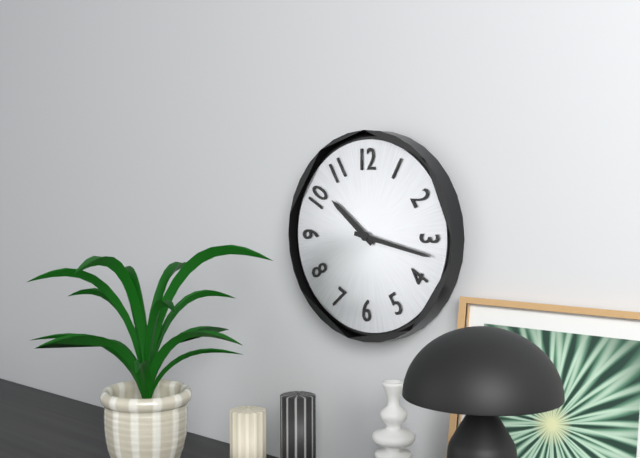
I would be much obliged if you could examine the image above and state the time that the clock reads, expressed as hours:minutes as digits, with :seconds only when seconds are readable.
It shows 10:17
